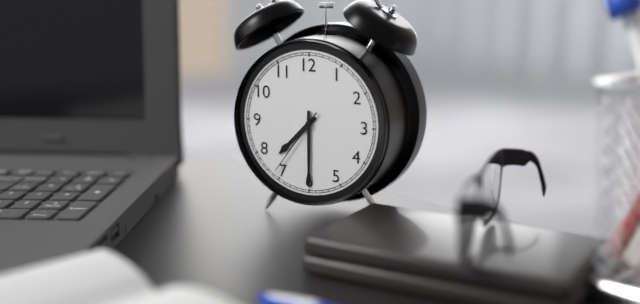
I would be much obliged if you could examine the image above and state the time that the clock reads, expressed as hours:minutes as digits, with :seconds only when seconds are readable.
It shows 7:30:36
